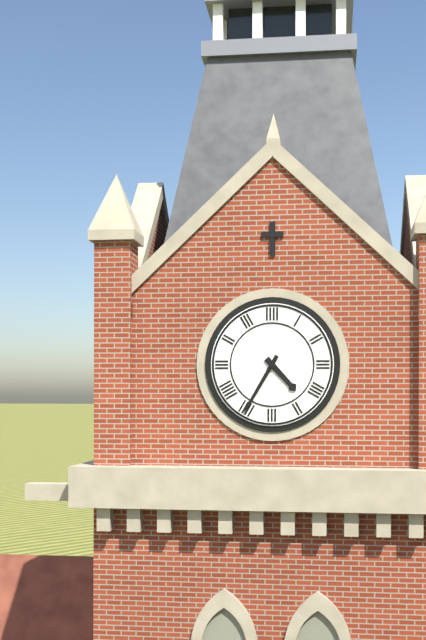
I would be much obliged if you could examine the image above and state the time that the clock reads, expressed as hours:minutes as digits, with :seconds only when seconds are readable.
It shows 4:35
